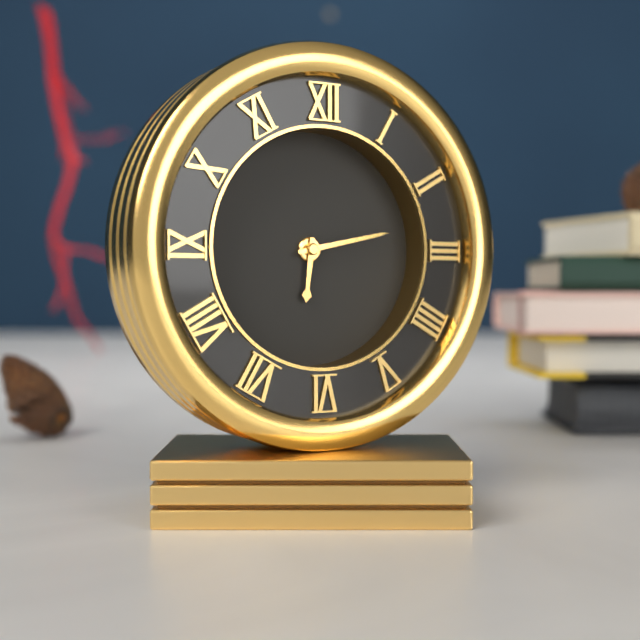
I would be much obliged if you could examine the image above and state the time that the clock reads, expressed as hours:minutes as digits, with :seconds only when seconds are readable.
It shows 6:13
